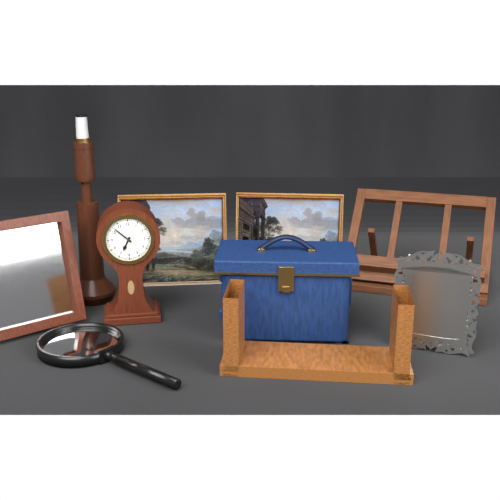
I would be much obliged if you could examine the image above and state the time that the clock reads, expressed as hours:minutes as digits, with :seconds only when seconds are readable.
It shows 6:52
